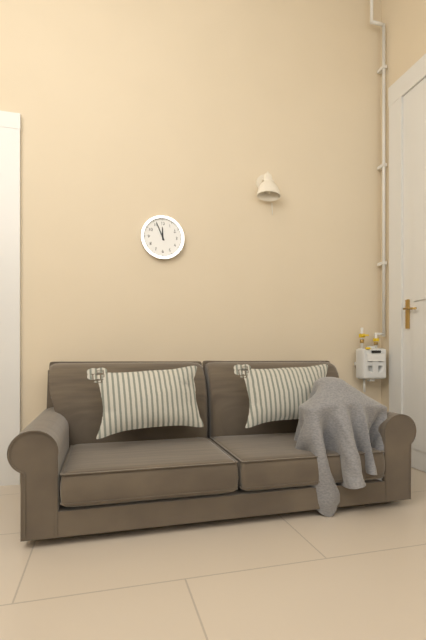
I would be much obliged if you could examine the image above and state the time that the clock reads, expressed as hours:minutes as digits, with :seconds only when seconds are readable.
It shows 11:56
